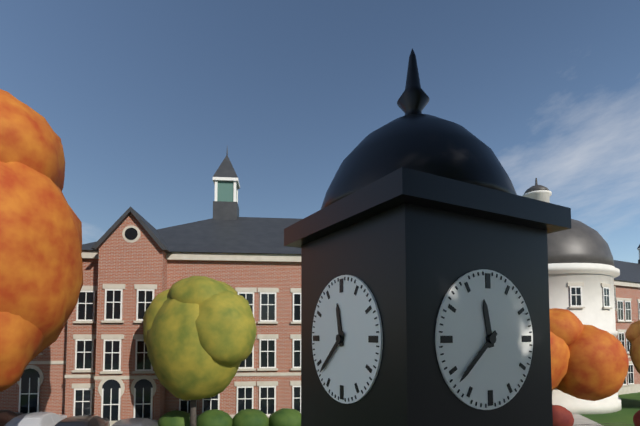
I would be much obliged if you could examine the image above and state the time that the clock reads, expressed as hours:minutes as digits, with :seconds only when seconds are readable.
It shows 11:38
